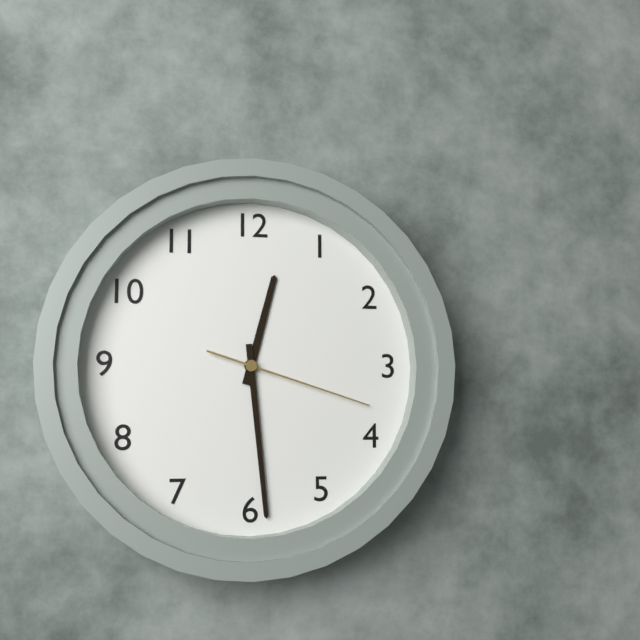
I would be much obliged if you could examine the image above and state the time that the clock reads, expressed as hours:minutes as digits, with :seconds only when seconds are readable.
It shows 12:29:18
